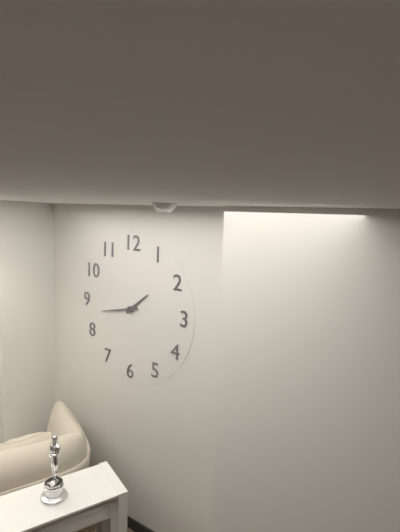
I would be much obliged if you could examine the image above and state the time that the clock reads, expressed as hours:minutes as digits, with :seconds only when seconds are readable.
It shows 1:43
